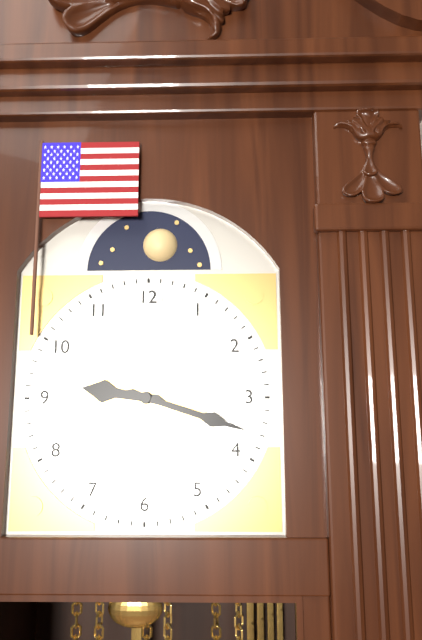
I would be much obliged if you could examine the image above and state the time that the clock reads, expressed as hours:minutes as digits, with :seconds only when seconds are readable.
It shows 9:18
